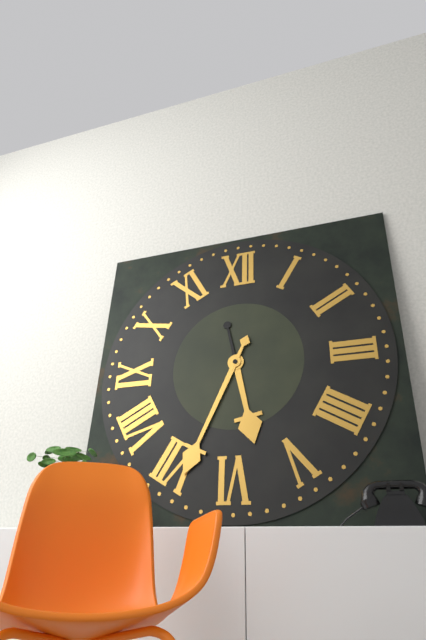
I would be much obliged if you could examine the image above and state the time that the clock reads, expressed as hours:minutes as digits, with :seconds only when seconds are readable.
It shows 5:34
